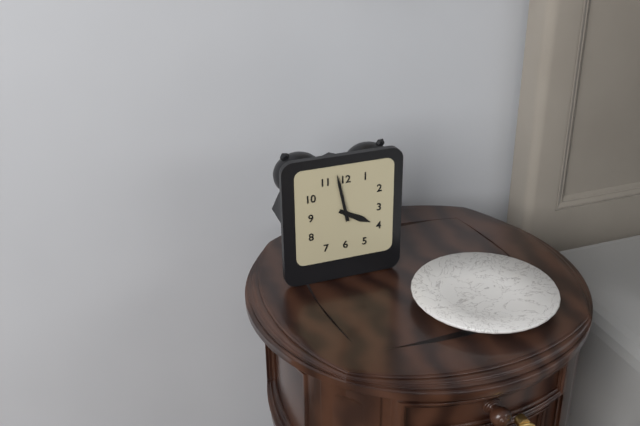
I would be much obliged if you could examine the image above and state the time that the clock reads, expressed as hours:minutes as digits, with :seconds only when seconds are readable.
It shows 3:58
